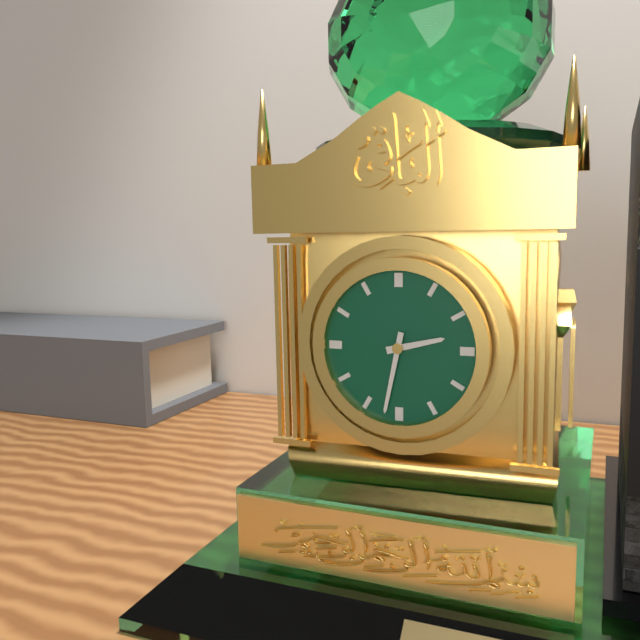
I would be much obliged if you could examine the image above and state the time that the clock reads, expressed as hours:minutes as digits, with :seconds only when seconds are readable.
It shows 2:32
